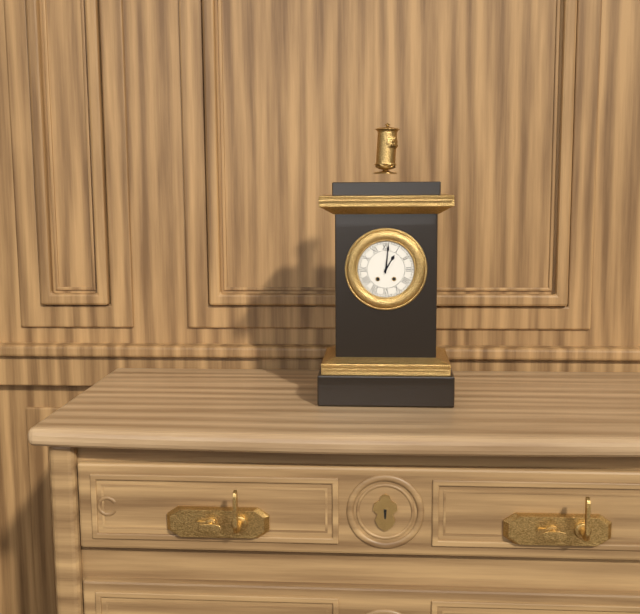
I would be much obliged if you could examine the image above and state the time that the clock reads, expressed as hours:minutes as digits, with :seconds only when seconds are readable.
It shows 1:01
